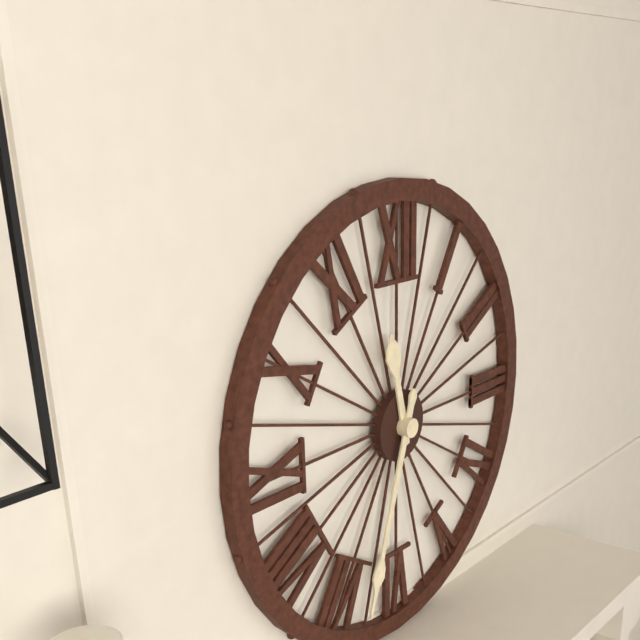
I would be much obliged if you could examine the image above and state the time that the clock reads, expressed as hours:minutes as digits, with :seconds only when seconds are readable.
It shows 11:33
